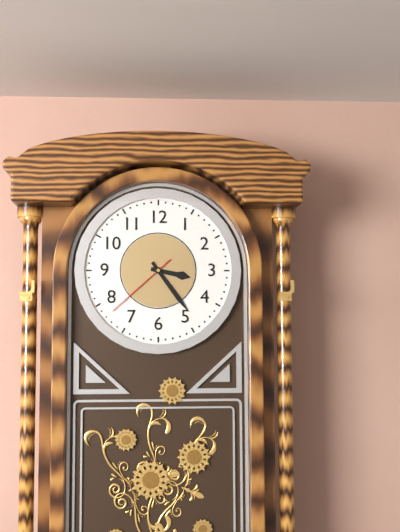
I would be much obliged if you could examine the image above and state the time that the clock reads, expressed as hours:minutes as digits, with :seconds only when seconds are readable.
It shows 3:24:38
